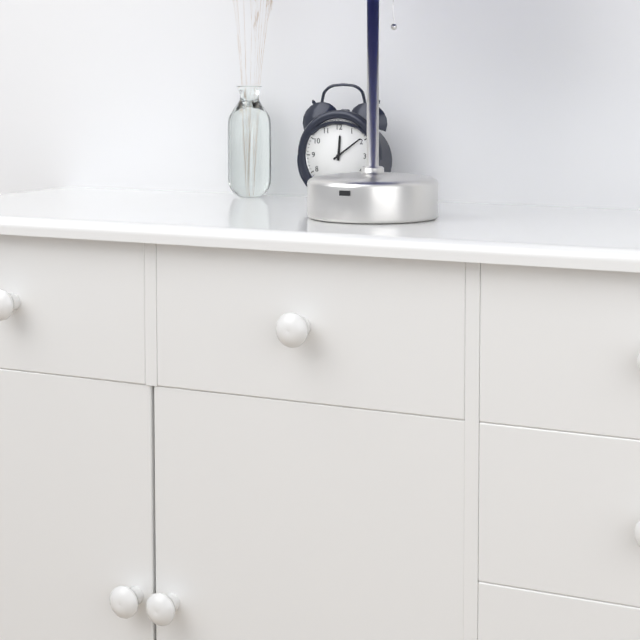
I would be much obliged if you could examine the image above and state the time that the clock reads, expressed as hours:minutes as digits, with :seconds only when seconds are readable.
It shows 12:09
